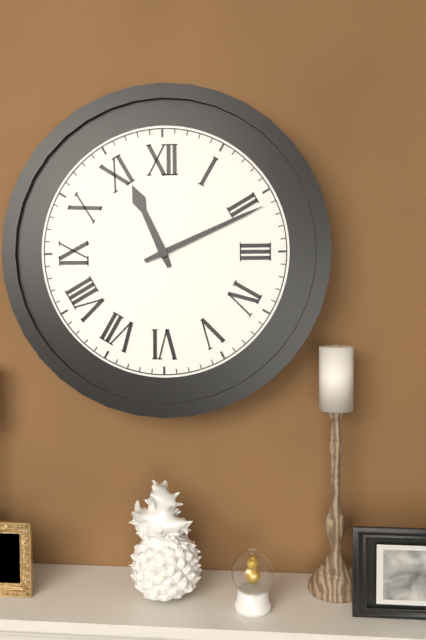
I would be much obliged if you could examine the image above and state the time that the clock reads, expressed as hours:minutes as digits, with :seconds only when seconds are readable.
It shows 11:11
